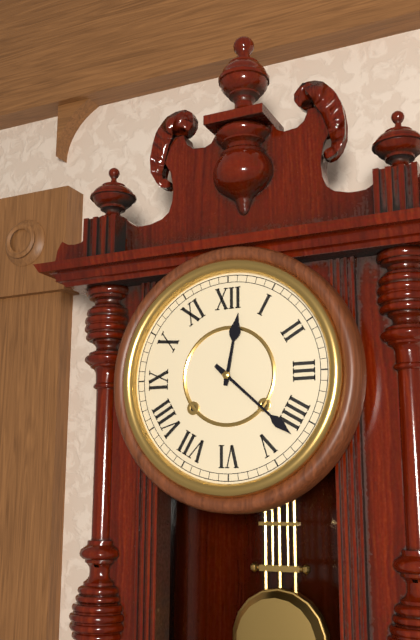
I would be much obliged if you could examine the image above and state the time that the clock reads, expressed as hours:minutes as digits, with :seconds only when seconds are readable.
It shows 12:22
